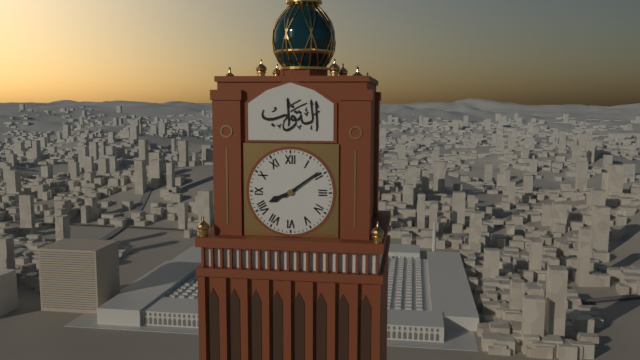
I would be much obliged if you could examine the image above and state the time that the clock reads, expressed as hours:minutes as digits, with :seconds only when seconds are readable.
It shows 8:09
